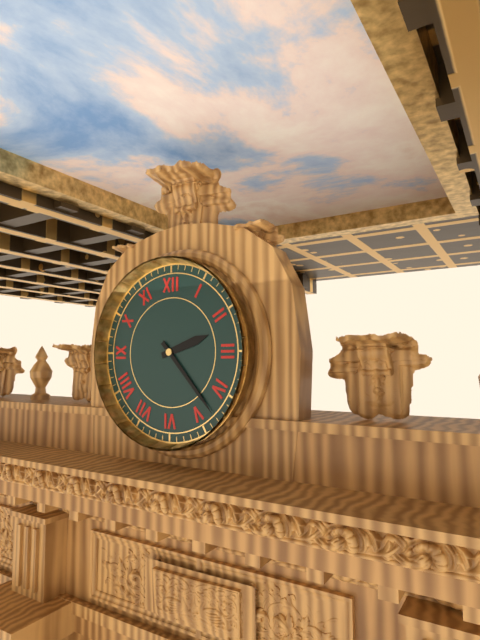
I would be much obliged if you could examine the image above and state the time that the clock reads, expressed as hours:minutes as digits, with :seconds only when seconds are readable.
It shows 2:23
